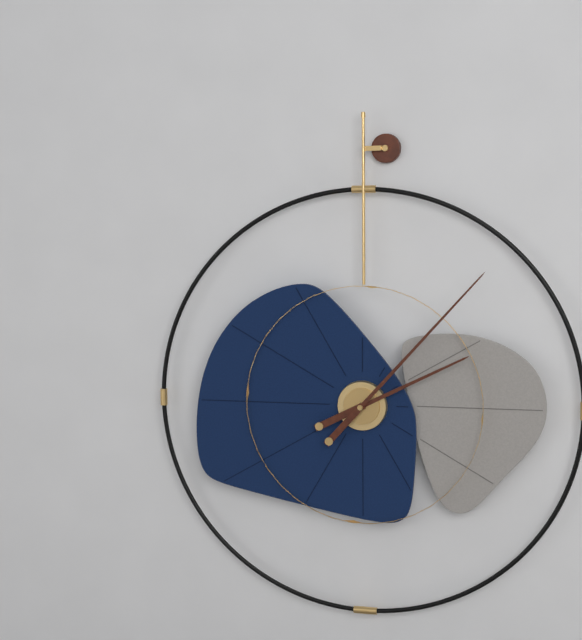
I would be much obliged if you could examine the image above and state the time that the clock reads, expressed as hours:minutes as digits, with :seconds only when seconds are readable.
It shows 2:07
